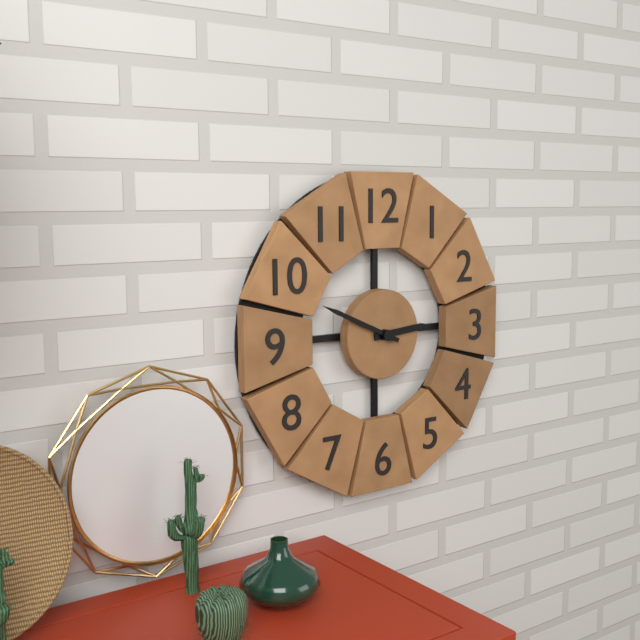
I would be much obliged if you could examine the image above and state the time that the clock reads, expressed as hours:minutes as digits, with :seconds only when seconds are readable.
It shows 2:49
